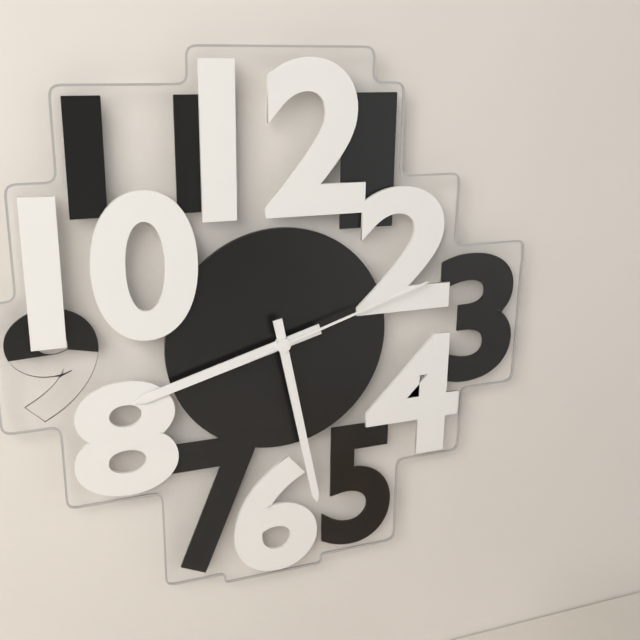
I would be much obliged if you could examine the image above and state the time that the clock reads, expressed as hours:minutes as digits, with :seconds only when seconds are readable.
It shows 8:28:12
